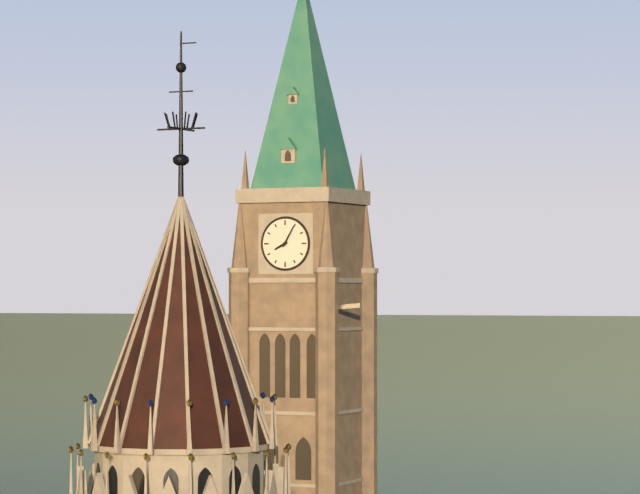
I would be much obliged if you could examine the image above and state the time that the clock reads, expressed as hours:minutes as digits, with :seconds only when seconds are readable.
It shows 8:05
